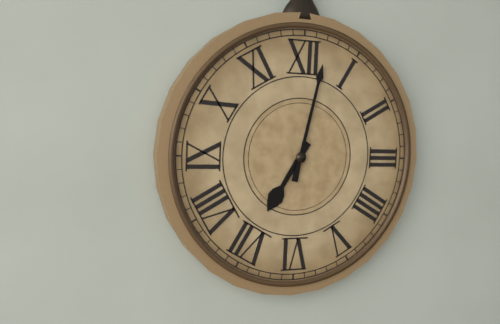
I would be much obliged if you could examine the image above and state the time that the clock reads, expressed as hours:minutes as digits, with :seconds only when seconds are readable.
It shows 7:02
